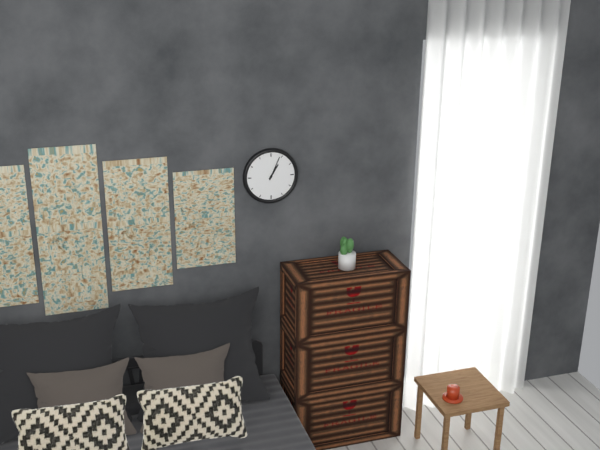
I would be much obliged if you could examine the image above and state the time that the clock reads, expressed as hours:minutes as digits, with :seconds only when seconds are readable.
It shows 1:04
